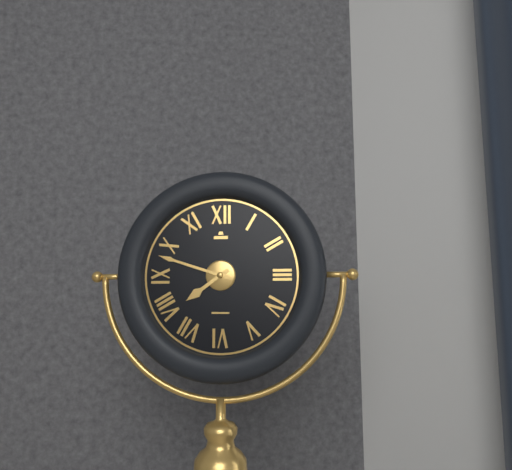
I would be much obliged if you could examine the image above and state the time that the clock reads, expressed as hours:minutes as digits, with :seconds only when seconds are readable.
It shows 7:48
